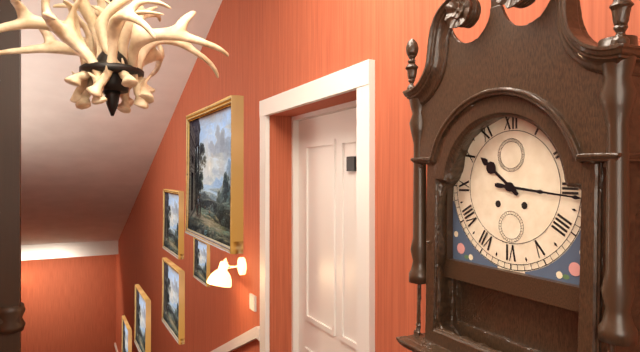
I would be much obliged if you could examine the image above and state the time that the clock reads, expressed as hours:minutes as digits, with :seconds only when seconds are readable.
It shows 10:16
